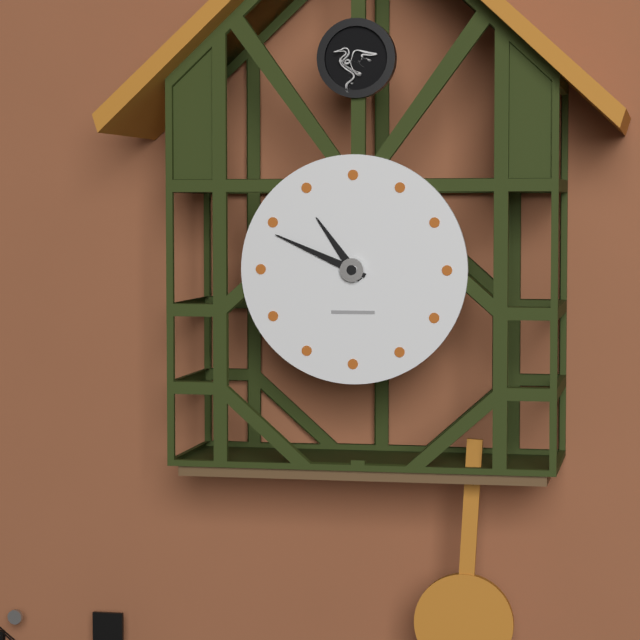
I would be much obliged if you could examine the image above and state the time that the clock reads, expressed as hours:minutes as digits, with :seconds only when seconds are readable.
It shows 10:49
